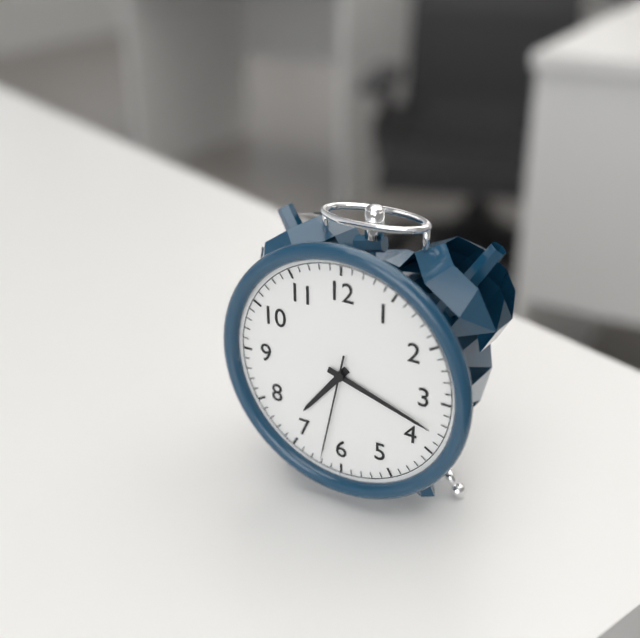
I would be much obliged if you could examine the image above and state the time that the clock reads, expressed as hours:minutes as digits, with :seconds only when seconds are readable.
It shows 7:18:32
